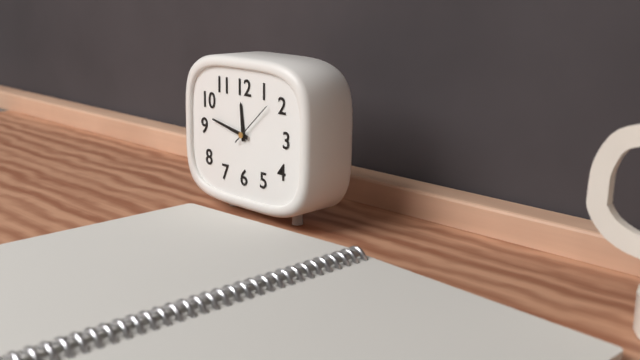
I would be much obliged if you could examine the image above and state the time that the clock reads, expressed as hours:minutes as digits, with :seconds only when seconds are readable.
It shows 11:47
